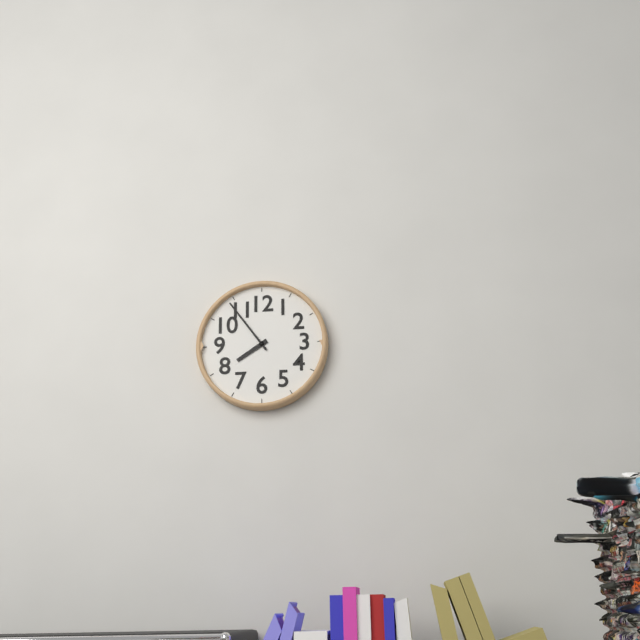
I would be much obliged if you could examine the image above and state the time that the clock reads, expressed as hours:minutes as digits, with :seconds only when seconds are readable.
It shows 7:54
